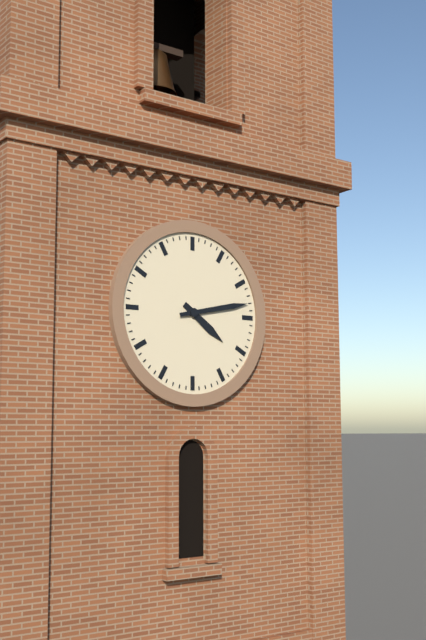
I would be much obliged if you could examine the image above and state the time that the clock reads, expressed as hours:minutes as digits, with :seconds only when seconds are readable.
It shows 4:13
